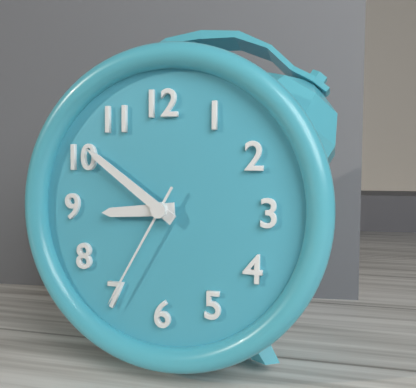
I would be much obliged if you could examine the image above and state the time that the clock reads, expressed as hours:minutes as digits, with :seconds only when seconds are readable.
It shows 8:51:35
